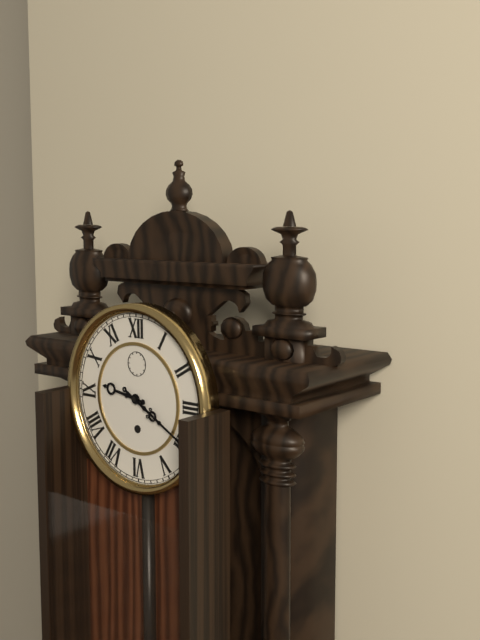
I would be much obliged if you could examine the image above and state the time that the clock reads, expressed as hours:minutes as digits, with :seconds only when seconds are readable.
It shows 9:20
